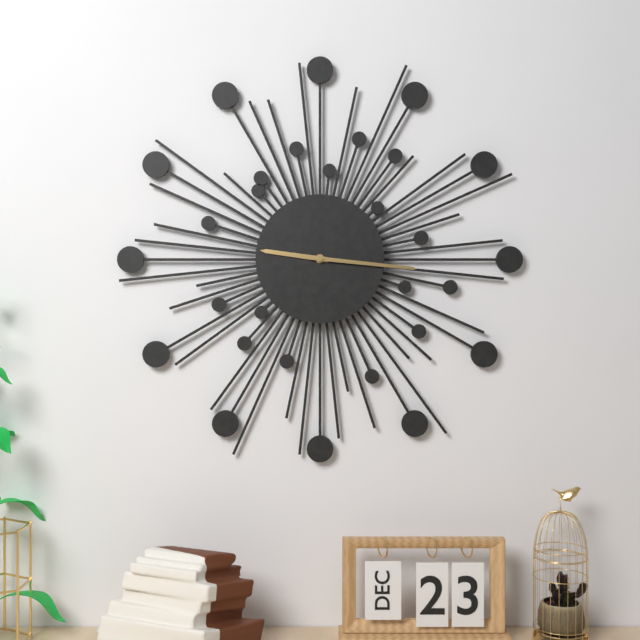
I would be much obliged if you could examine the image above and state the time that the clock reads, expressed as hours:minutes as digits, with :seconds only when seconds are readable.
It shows 9:16
